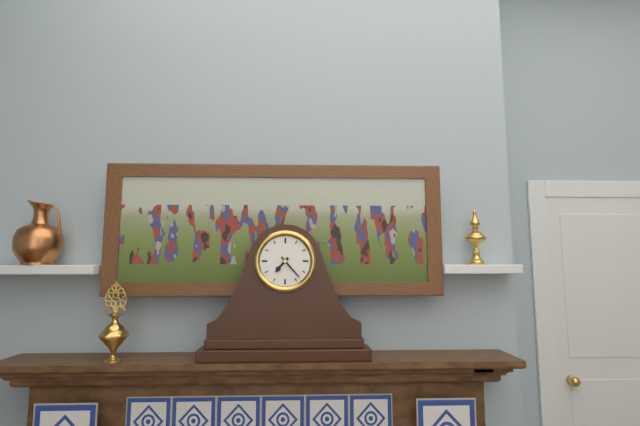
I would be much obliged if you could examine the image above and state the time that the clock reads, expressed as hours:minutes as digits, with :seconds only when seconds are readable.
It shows 7:23
